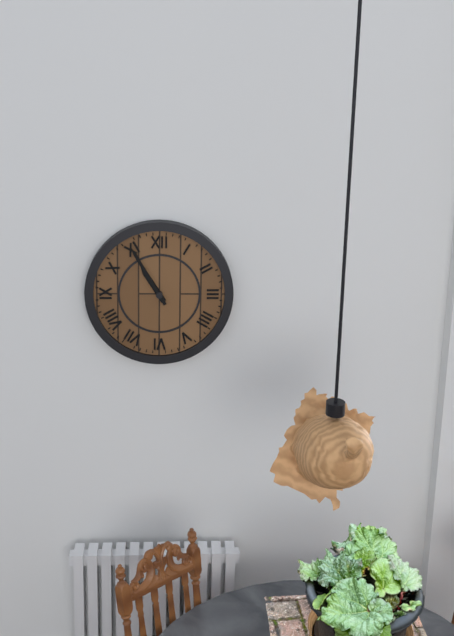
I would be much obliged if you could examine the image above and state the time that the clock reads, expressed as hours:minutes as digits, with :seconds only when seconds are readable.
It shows 10:55
